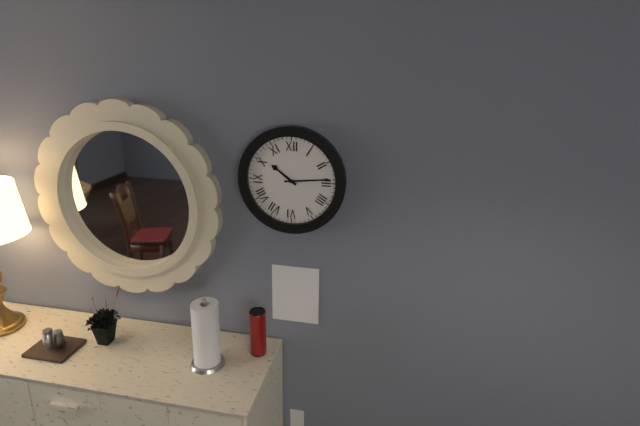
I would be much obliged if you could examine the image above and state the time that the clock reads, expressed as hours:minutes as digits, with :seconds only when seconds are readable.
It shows 10:14
